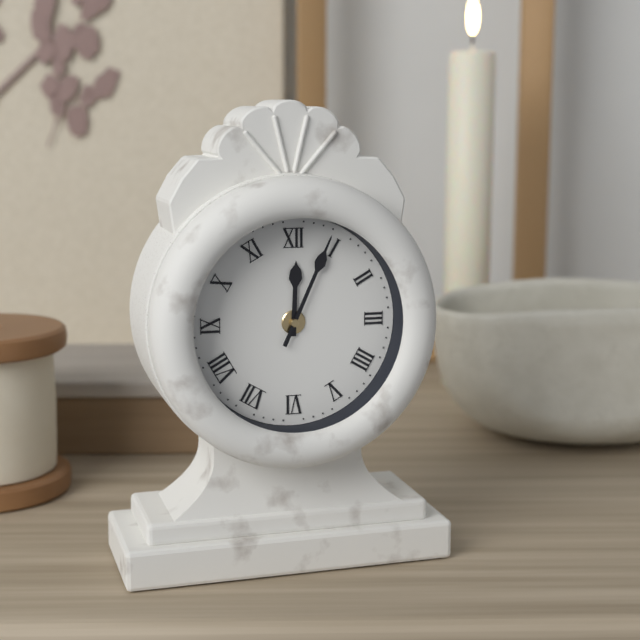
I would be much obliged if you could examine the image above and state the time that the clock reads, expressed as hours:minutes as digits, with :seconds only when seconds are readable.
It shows 12:04
